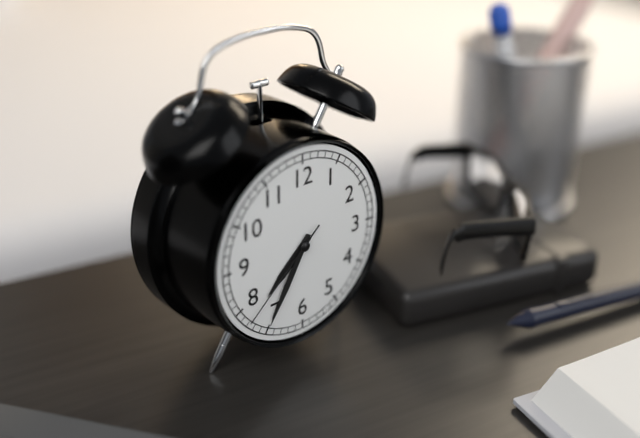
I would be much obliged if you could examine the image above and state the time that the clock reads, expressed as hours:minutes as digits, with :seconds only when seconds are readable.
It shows 7:35:38
